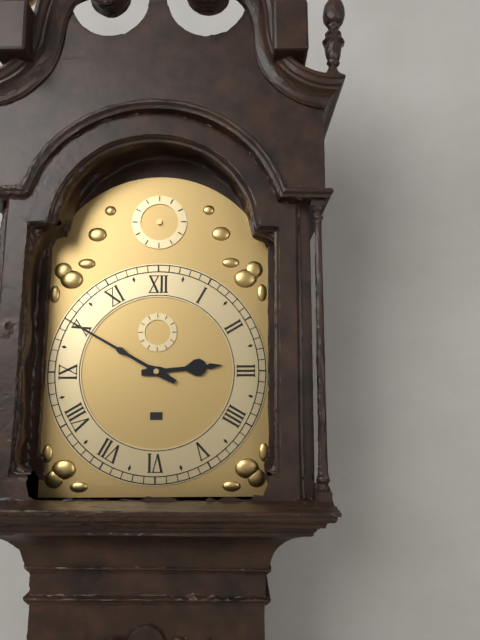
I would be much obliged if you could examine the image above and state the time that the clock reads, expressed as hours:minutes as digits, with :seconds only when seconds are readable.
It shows 2:50
